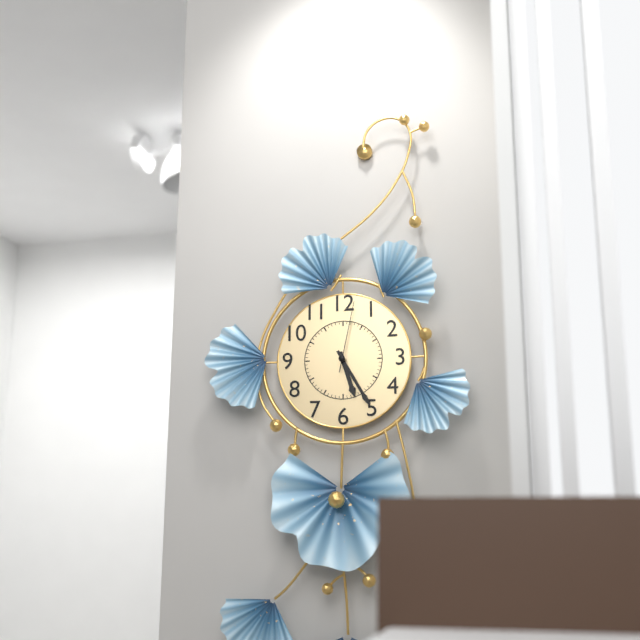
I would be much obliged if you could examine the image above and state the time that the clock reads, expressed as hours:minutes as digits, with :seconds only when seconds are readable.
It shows 5:25:02
